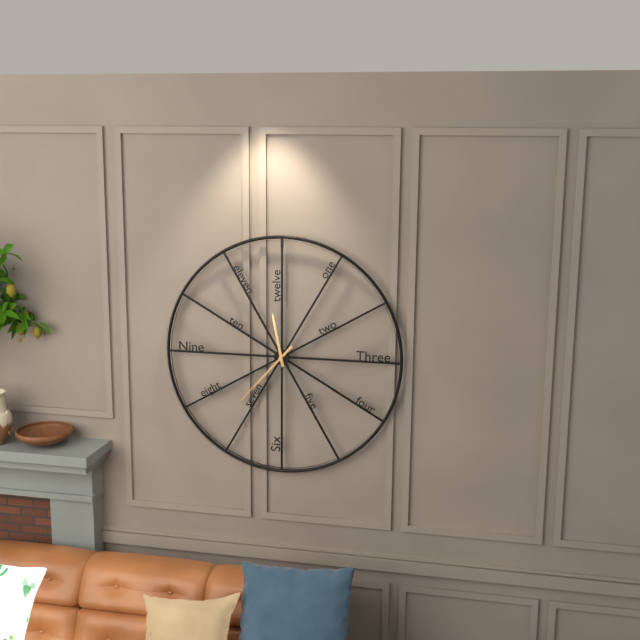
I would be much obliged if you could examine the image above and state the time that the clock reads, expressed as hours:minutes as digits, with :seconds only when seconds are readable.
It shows 11:37
